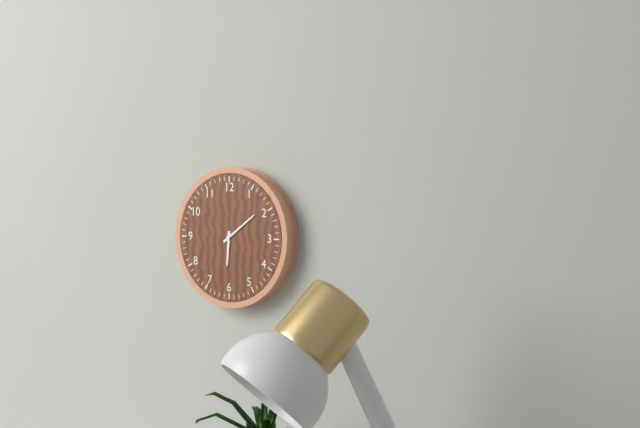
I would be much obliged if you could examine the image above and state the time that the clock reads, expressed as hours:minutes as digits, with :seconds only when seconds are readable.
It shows 6:09
